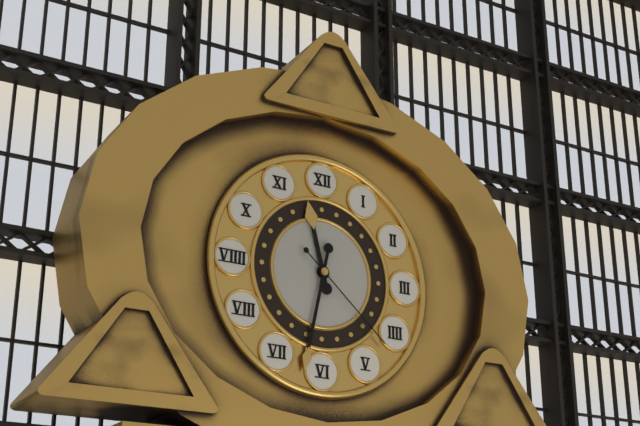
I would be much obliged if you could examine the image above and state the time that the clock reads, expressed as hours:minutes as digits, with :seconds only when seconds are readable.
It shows 11:32:22
